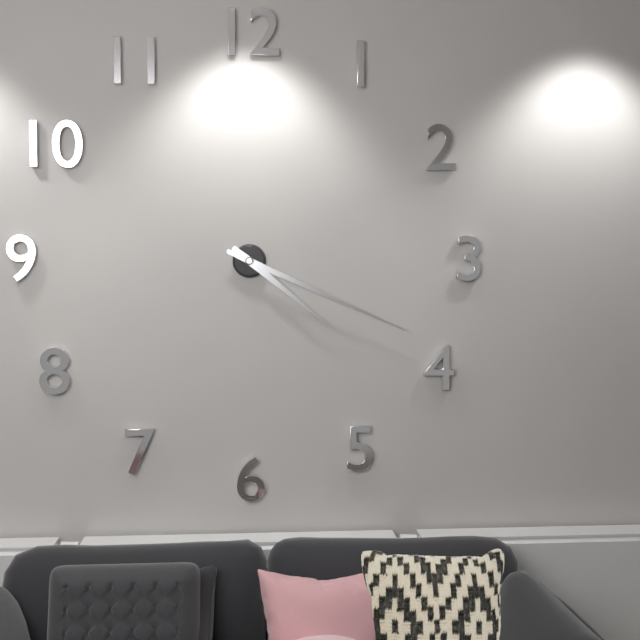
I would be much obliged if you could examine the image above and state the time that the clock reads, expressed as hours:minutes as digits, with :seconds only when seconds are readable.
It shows 4:19
